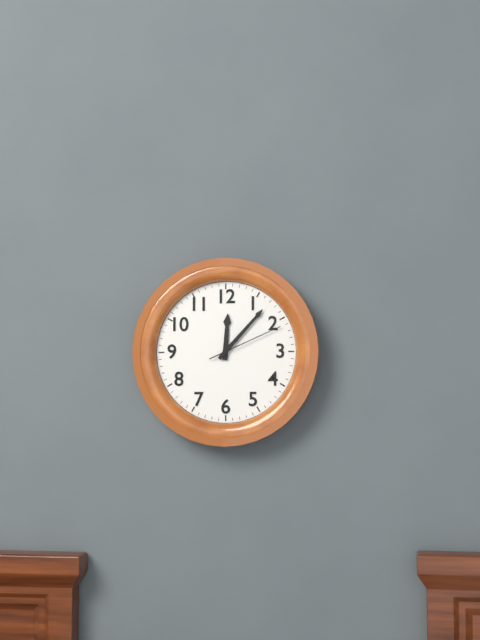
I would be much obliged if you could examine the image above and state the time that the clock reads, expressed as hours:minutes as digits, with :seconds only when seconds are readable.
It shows 12:07:11
